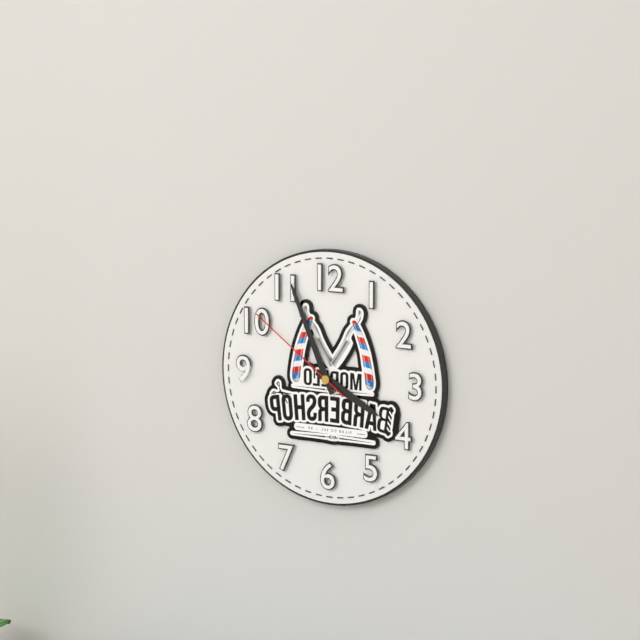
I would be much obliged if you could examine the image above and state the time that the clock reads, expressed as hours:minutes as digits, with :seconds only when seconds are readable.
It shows 3:56:51
